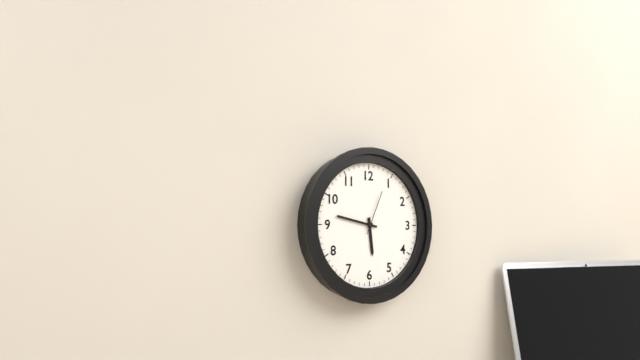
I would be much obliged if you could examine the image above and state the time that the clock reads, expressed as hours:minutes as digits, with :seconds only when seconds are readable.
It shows 5:47
